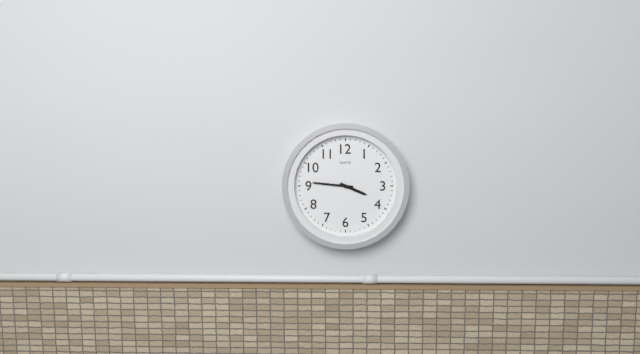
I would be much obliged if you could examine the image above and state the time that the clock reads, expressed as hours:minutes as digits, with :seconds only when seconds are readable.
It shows 3:46
